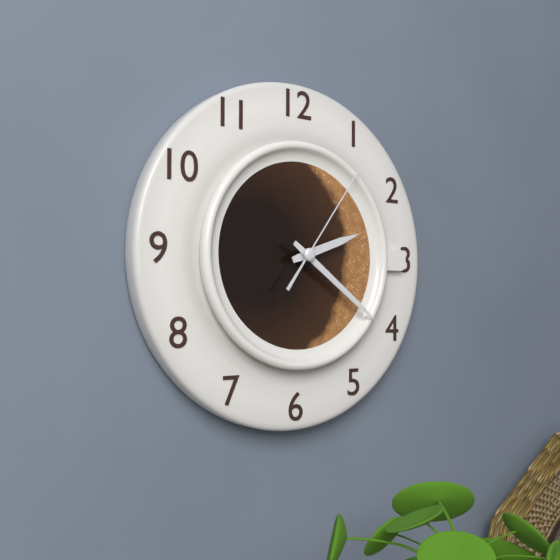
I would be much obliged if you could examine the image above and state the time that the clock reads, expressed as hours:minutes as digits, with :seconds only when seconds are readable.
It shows 2:21:06
